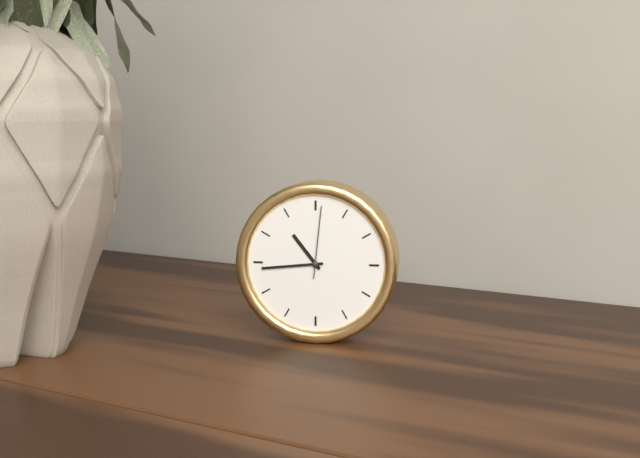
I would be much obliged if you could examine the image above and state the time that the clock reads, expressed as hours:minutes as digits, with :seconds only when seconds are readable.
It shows 10:44:01
